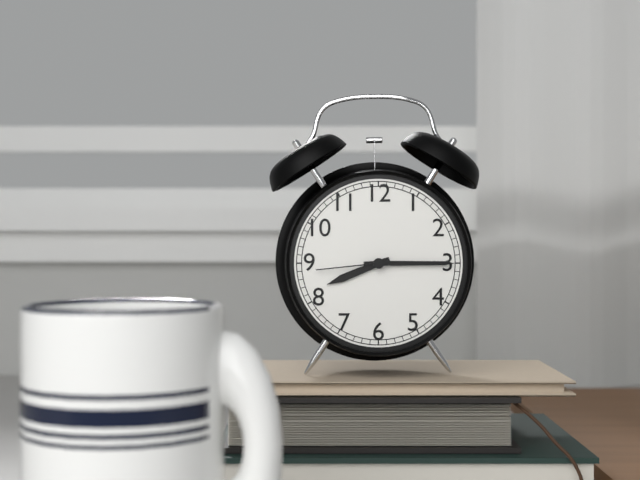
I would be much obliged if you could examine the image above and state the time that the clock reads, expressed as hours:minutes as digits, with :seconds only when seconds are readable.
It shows 8:15:44
